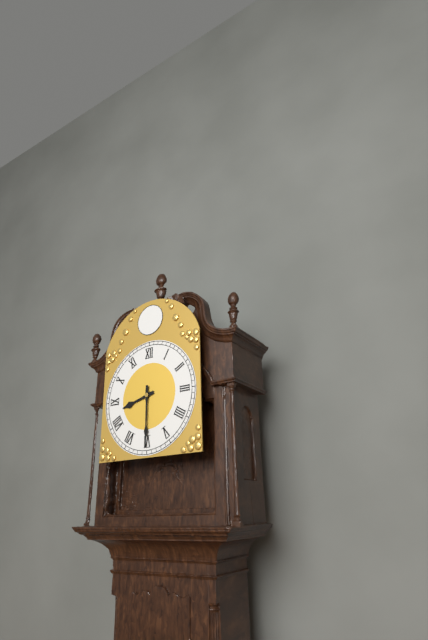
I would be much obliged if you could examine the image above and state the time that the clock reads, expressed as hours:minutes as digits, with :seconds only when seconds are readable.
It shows 8:30
